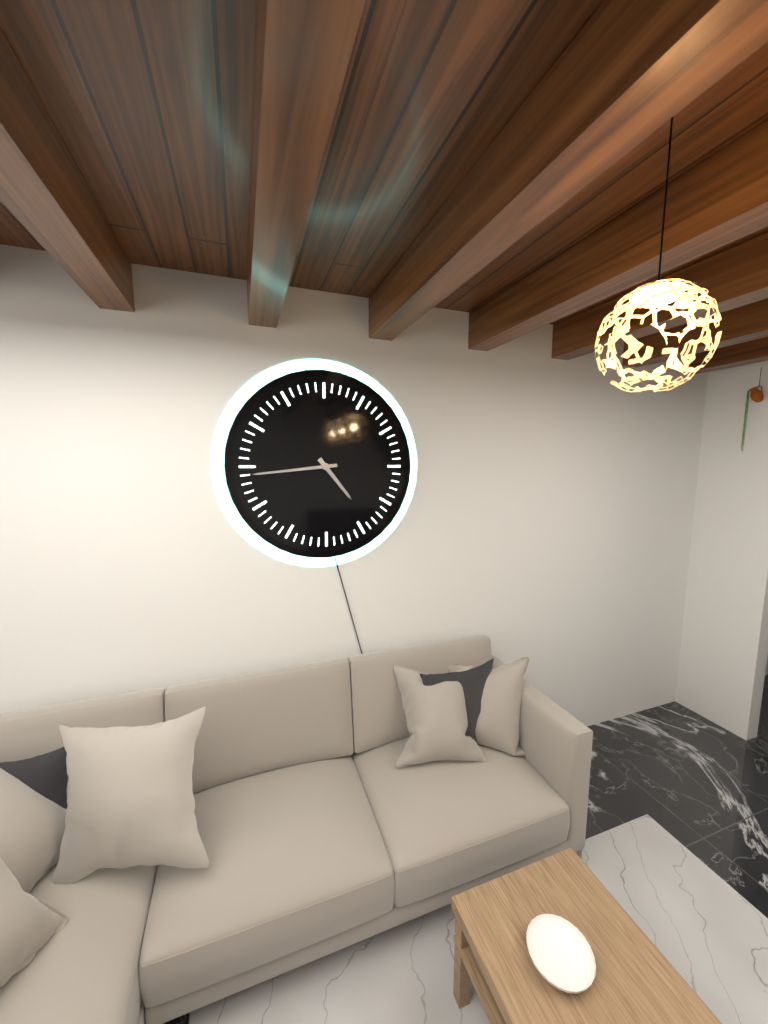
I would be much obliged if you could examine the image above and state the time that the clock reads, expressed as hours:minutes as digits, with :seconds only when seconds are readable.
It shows 4:44
